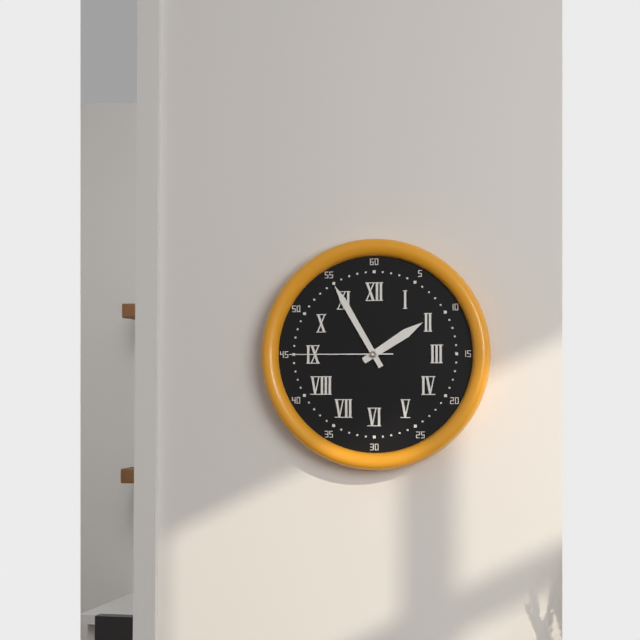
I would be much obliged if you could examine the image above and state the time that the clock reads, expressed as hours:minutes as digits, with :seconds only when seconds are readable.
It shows 1:55:45
